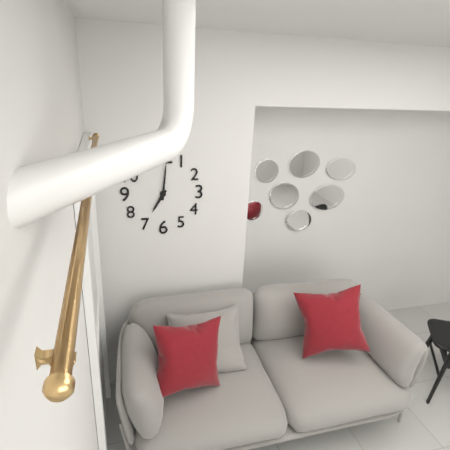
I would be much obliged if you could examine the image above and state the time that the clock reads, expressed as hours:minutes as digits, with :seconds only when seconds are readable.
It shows 7:01
